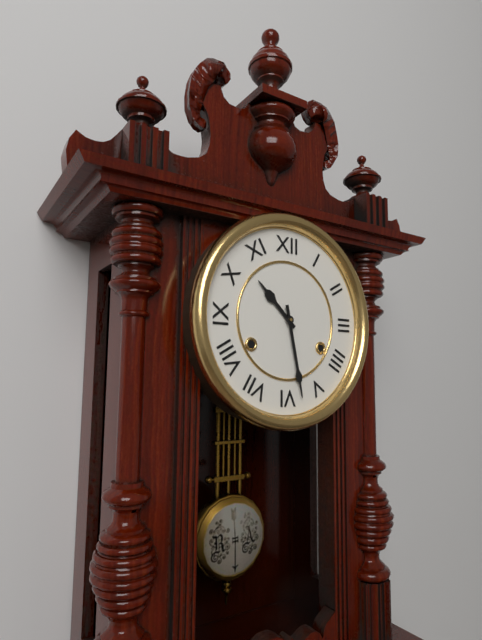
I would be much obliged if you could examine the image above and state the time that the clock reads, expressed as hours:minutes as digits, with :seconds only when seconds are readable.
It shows 10:28
